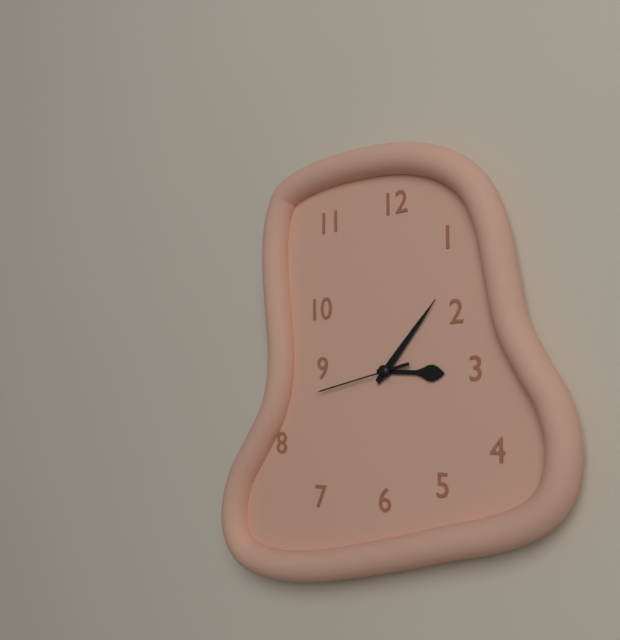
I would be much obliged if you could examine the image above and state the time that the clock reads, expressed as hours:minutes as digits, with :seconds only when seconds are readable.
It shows 3:07:43
